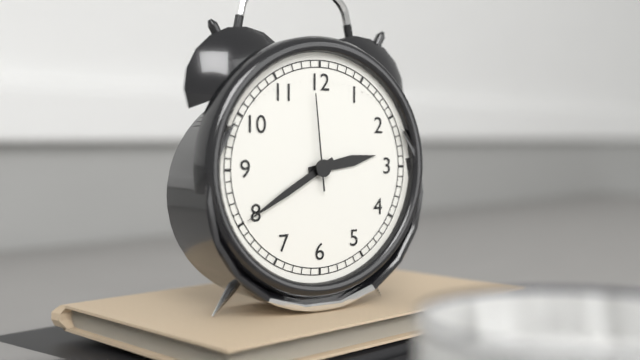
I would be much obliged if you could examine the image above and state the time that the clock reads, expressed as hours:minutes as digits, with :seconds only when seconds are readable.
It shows 2:40:59
